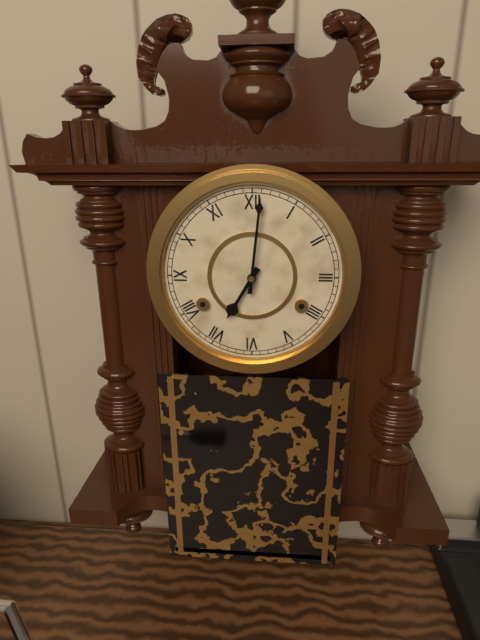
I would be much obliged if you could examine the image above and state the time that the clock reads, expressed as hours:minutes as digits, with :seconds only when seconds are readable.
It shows 7:01
